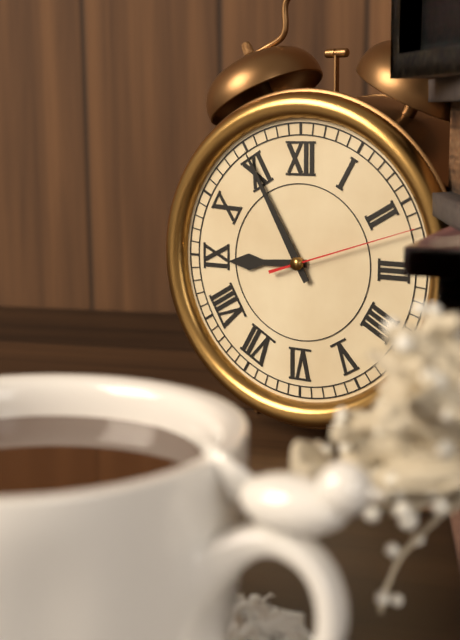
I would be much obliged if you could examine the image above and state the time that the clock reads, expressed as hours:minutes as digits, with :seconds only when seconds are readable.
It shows 8:55:12
